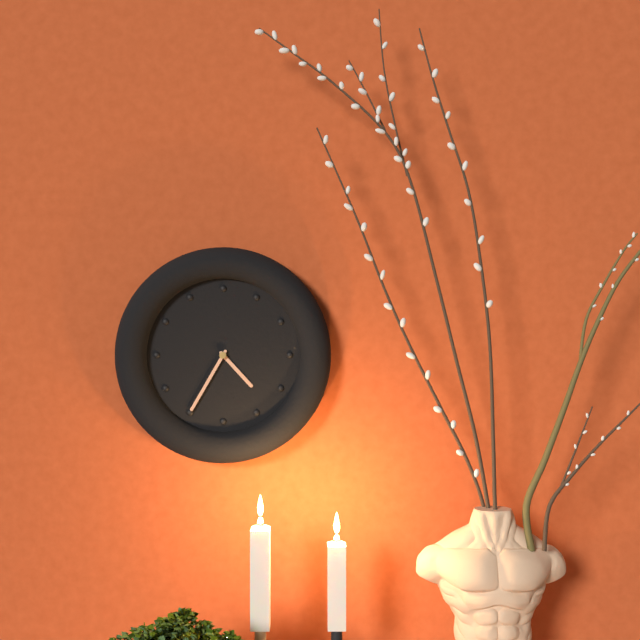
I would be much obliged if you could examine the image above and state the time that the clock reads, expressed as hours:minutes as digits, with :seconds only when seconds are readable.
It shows 4:35
